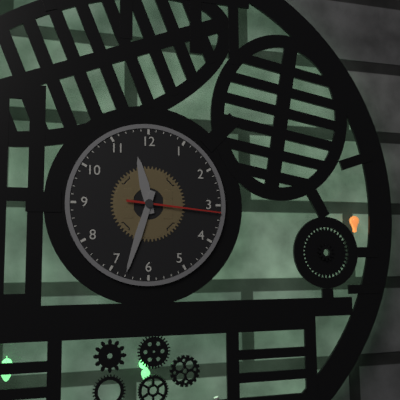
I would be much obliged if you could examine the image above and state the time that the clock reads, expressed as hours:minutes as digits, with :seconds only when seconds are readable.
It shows 11:33:16
